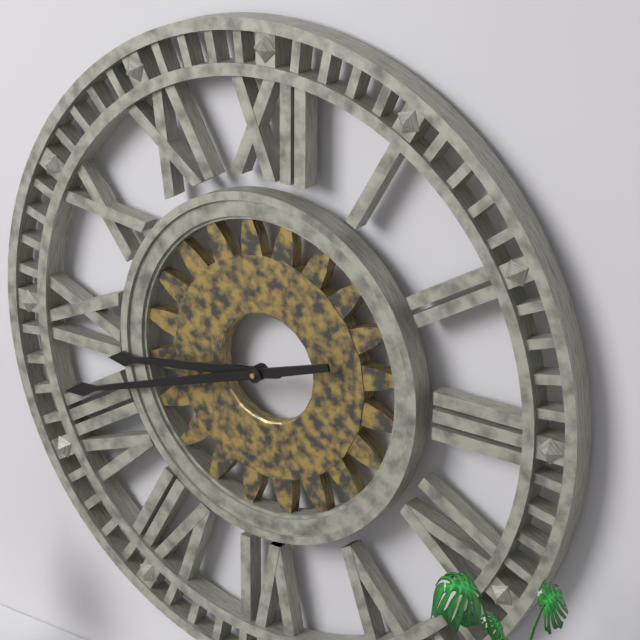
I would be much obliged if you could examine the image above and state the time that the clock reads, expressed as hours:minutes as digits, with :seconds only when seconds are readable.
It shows 8:42
